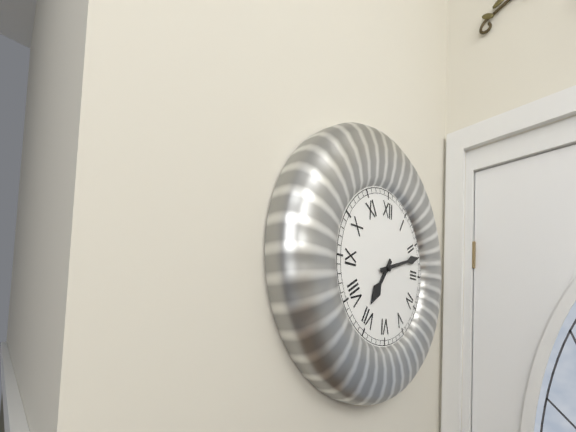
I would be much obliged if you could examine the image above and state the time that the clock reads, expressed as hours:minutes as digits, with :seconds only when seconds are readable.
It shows 7:12
